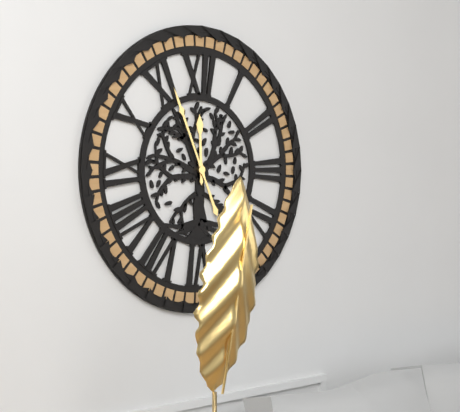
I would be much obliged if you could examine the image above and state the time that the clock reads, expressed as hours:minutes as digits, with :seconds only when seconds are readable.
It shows 11:56
